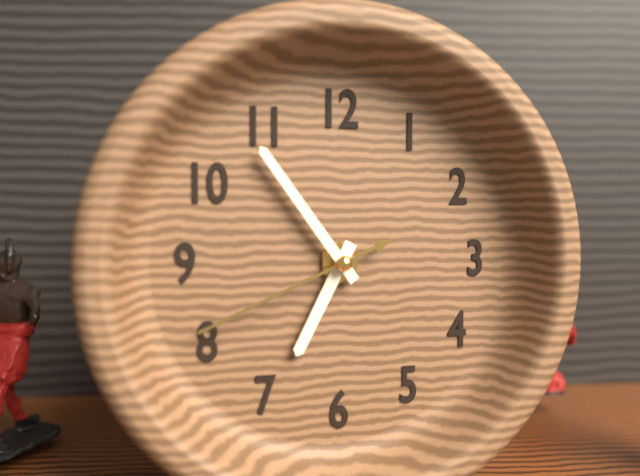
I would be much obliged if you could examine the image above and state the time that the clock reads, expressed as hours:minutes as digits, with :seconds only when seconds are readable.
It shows 6:54:41
